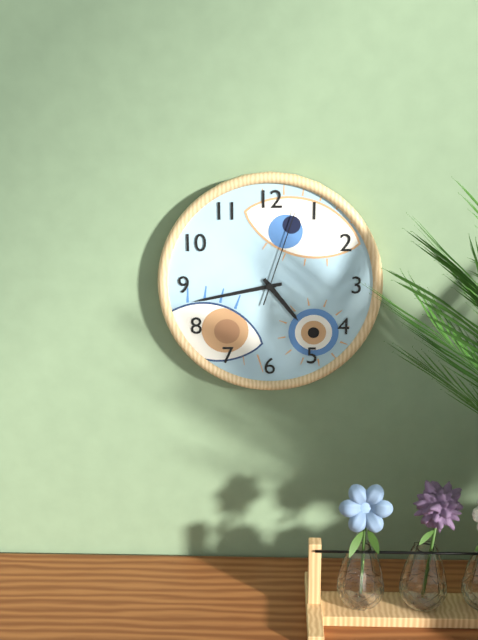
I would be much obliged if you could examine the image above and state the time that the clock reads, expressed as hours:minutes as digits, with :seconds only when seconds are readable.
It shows 4:43:03
